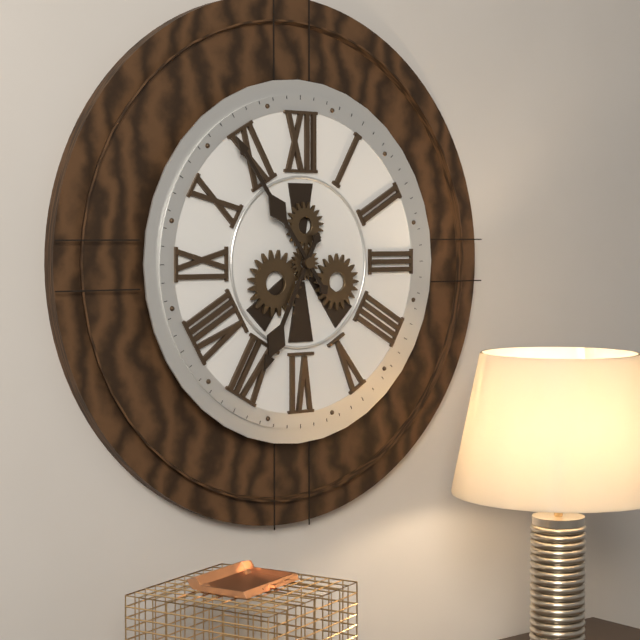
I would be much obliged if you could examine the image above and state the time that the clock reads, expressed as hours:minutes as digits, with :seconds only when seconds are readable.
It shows 6:54
